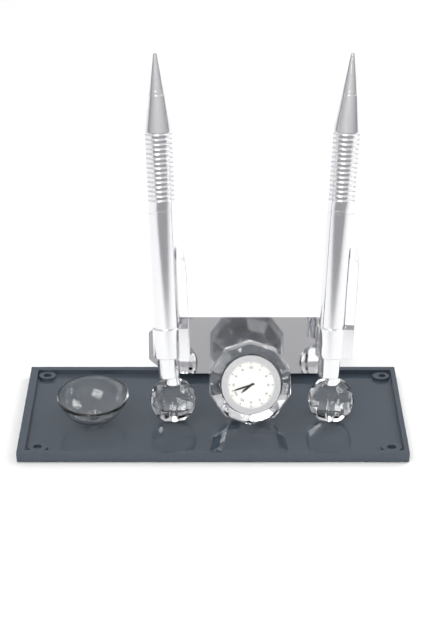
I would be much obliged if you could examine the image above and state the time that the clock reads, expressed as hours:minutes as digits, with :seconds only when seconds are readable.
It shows 7:42
